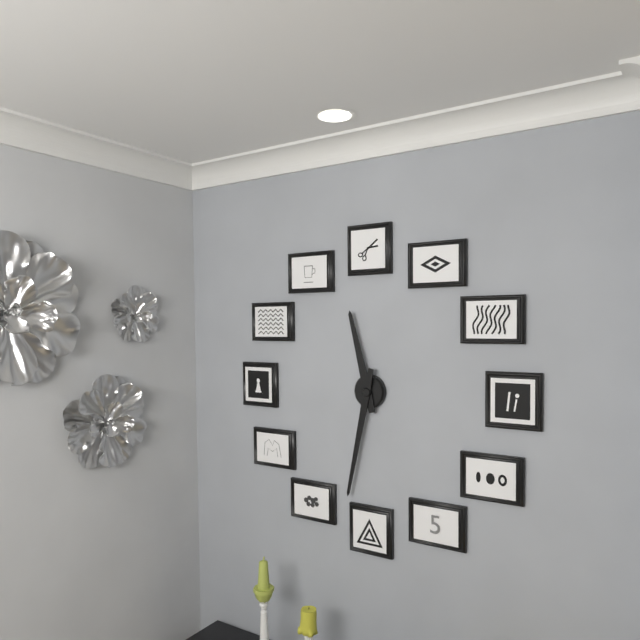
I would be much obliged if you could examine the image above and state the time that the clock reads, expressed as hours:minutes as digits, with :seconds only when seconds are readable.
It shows 11:32
